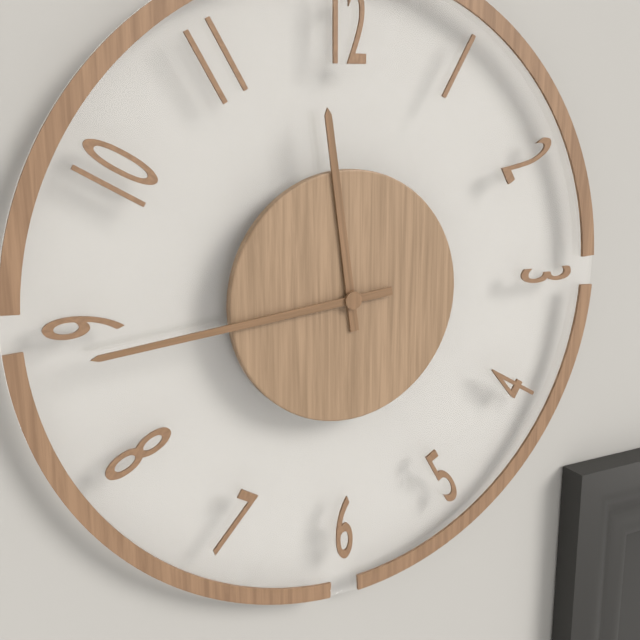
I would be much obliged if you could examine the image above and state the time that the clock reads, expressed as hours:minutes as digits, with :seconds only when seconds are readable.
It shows 11:44
